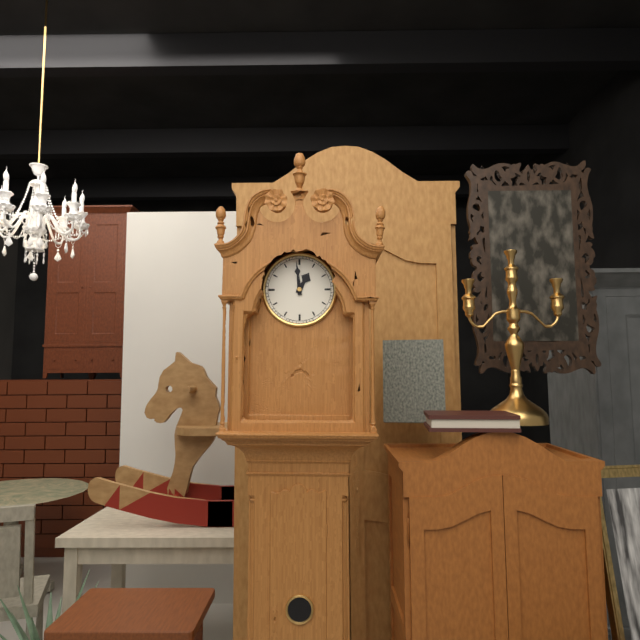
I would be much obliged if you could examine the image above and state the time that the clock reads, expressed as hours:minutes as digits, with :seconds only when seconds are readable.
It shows 12:59
